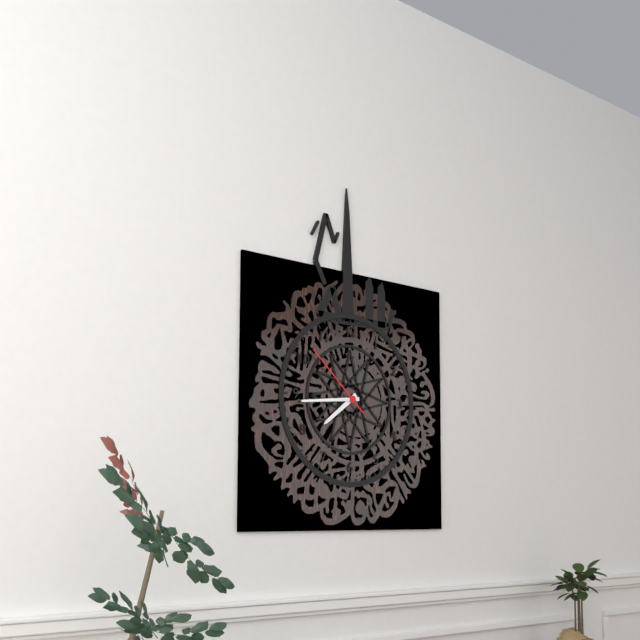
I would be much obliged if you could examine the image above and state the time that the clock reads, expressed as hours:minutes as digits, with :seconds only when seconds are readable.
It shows 7:44:52
